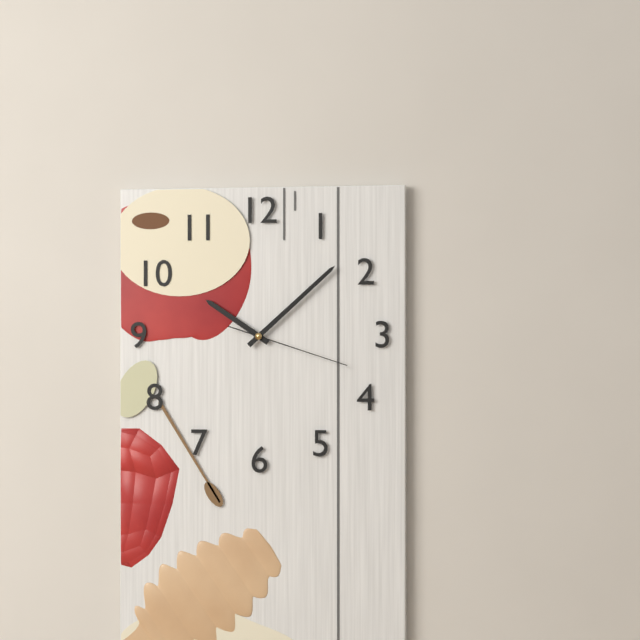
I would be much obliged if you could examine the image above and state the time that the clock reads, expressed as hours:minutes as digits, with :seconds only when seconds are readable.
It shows 10:08:18
